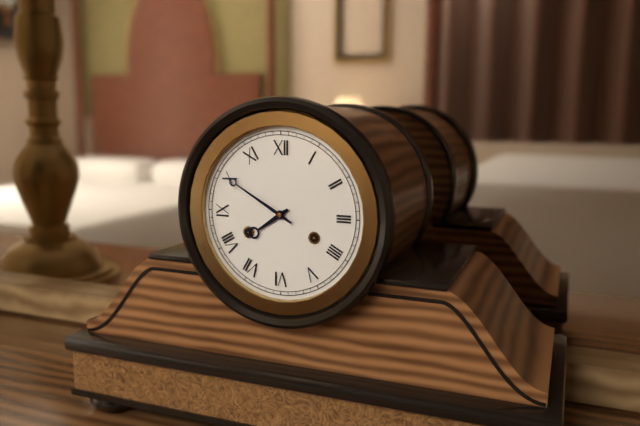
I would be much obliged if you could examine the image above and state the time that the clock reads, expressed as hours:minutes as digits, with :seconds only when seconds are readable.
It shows 7:50
